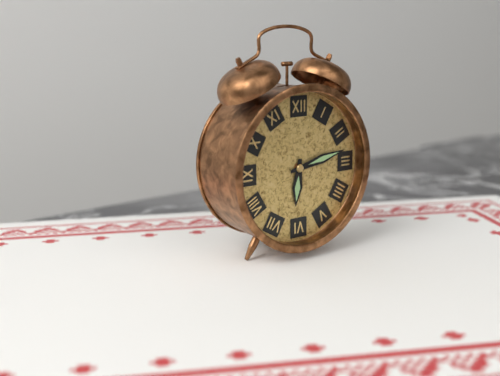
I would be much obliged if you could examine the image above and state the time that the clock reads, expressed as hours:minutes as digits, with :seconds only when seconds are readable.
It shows 6:13
